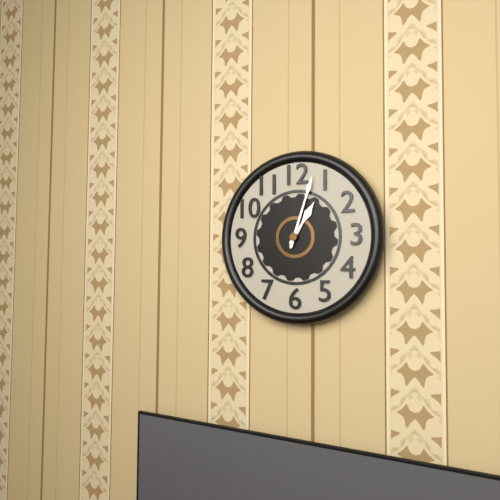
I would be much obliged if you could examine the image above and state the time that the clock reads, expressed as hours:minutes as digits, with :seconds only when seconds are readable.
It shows 1:03
